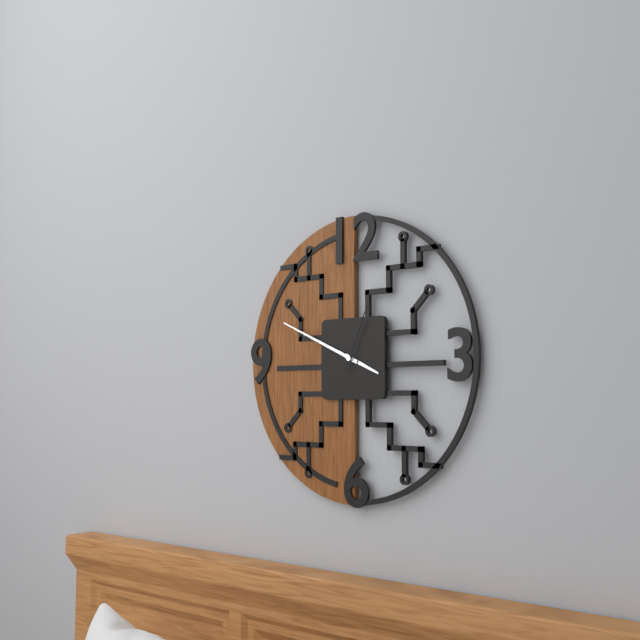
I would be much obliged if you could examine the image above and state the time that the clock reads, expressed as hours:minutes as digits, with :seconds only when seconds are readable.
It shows 3:49:04
